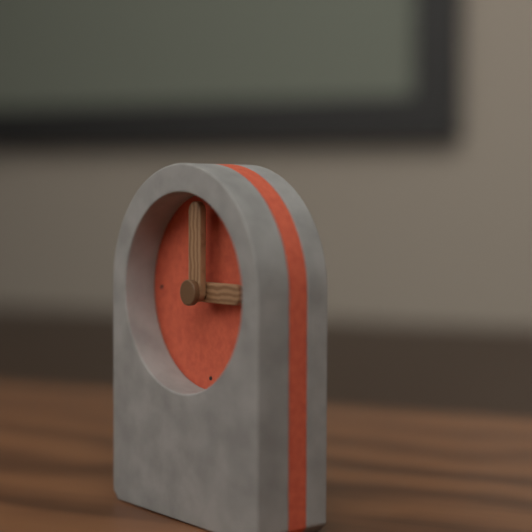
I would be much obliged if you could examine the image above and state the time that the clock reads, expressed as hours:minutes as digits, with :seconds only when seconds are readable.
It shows 3:00
